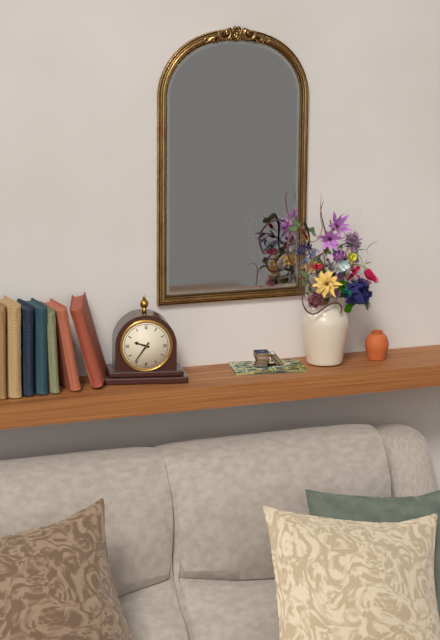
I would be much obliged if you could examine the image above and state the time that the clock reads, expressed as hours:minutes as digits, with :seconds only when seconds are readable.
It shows 9:36
